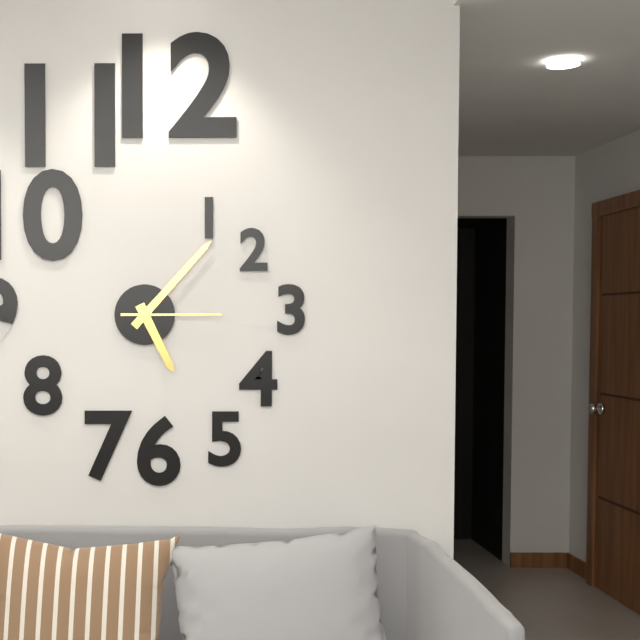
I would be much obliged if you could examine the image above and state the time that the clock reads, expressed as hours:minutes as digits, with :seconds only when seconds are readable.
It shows 5:07:15
